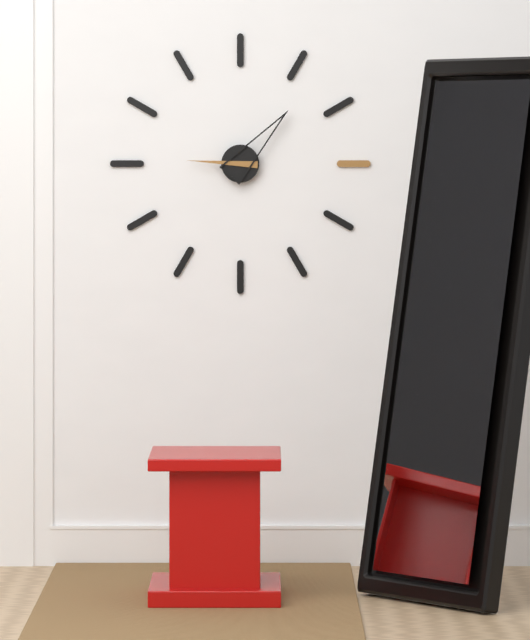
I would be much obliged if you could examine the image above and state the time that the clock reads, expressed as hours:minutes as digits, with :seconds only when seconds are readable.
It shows 9:07
